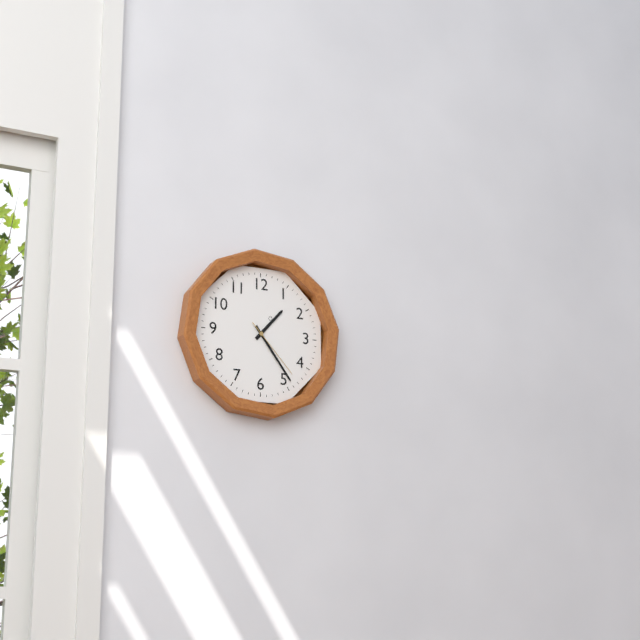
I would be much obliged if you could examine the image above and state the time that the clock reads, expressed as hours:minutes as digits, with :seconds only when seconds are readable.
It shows 1:24:23
